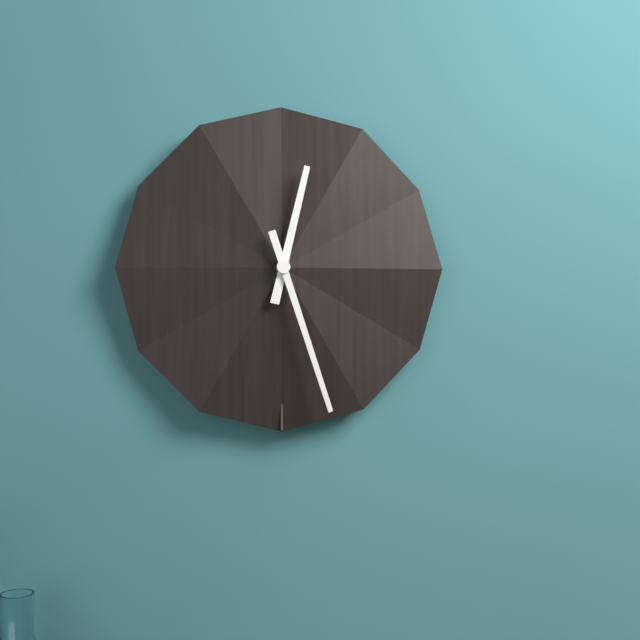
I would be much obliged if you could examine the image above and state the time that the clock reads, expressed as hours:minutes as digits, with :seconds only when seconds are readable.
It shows 12:27
